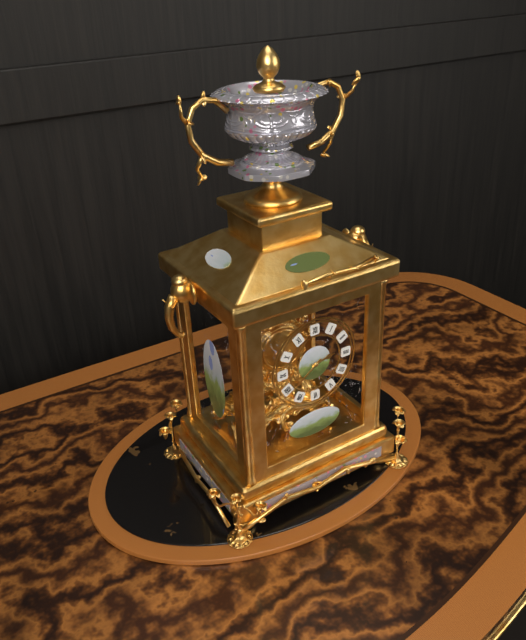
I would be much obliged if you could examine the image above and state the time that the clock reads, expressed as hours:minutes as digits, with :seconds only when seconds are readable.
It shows 2:39
